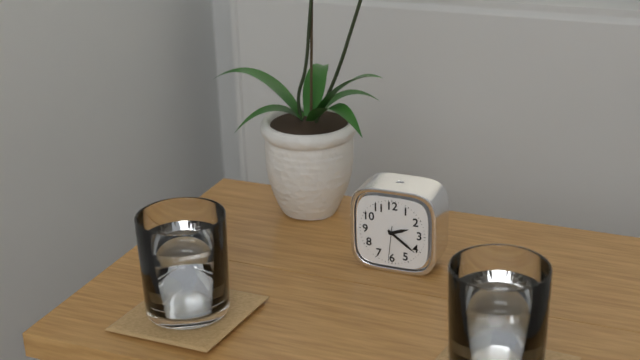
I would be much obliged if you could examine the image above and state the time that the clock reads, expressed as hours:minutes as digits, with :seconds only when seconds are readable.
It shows 2:21
